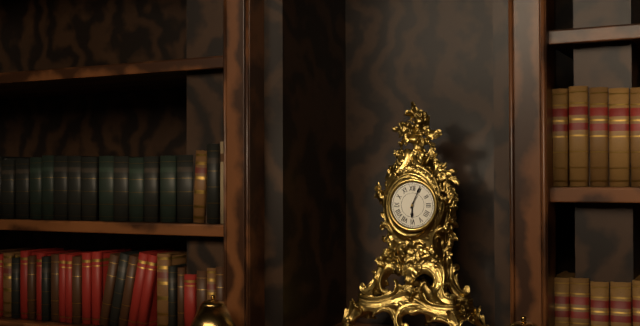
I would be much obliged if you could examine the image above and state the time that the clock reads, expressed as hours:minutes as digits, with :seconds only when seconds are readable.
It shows 6:04
